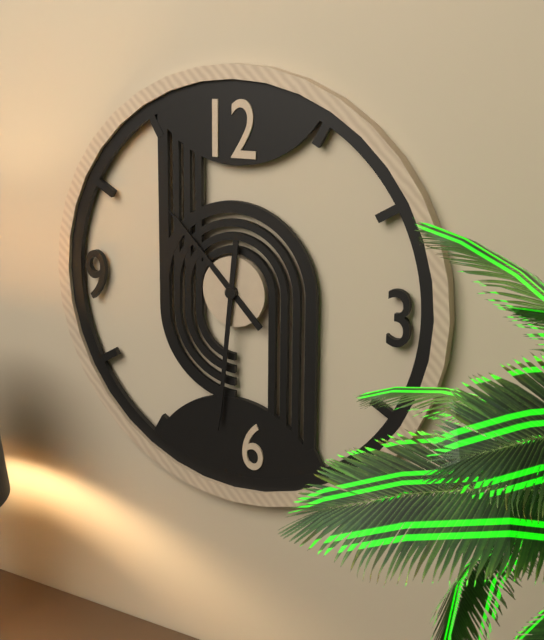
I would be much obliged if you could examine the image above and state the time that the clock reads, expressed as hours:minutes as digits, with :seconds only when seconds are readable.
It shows 10:31
